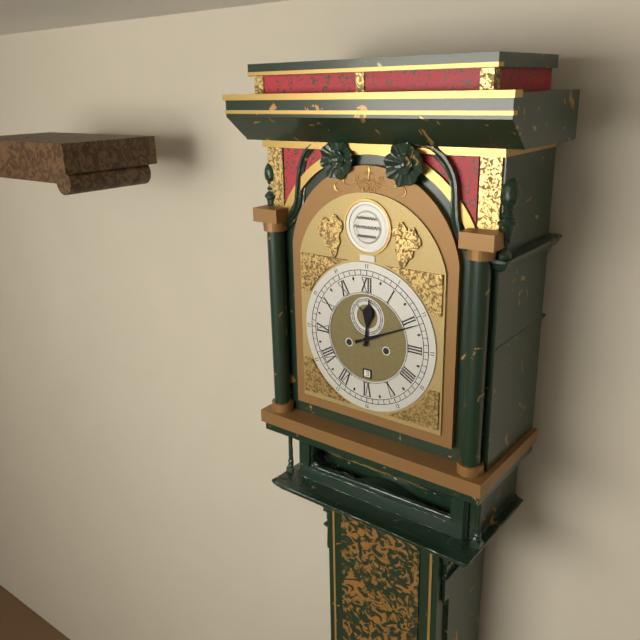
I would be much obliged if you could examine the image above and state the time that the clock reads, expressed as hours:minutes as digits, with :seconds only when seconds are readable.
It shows 12:11
